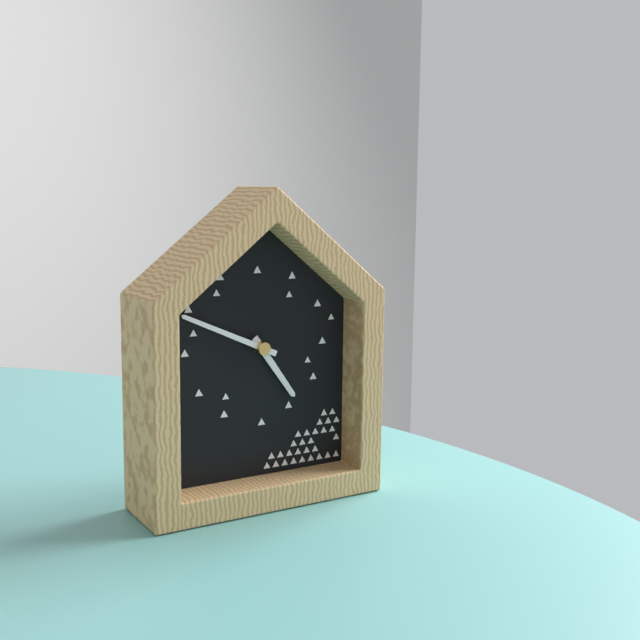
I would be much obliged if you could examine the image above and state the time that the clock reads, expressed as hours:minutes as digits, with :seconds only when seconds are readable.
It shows 4:49
